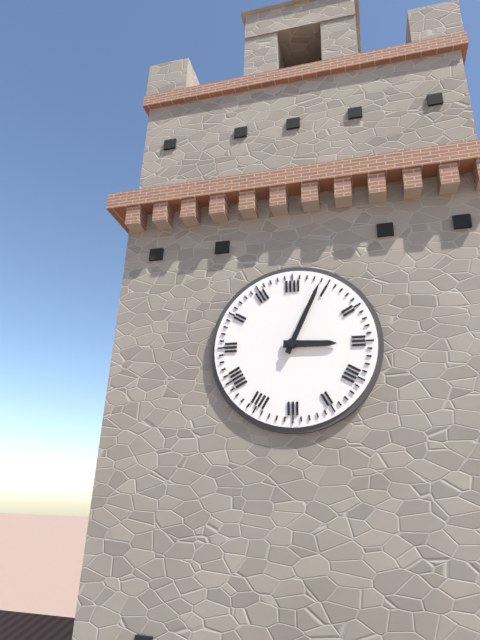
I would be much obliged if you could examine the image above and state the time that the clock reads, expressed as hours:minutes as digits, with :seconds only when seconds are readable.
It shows 3:04
